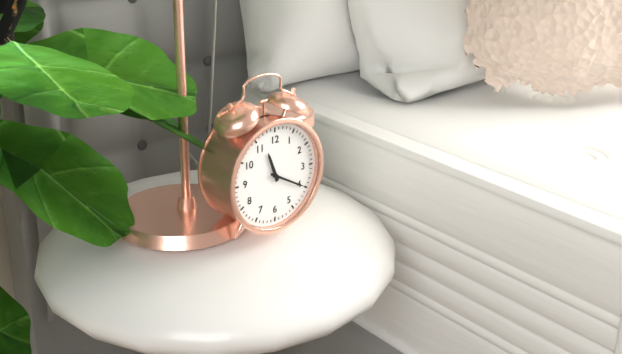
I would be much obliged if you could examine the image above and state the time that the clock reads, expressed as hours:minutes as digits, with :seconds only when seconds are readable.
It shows 11:20
